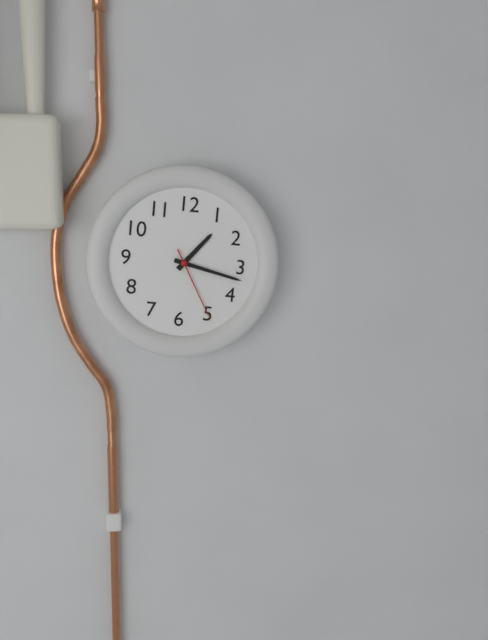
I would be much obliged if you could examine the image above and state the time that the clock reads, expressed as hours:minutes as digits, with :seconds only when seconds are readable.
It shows 1:17:25
